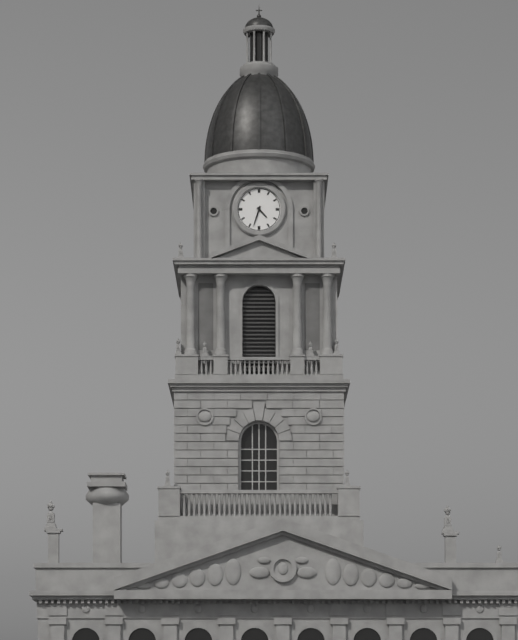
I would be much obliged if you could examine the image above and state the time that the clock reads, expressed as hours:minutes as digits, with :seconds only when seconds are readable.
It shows 4:33
